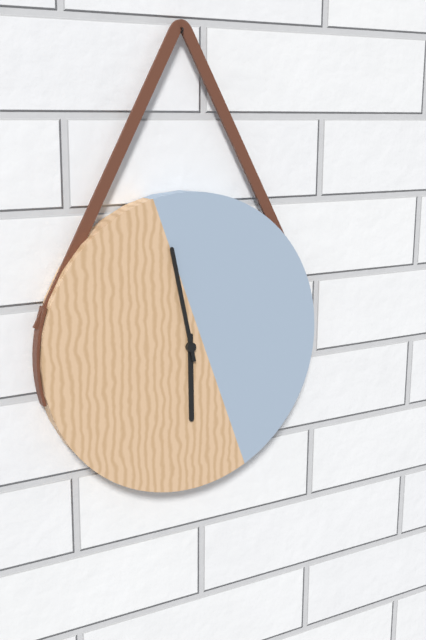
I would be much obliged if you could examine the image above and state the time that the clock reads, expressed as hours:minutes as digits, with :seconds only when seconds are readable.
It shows 5:58
